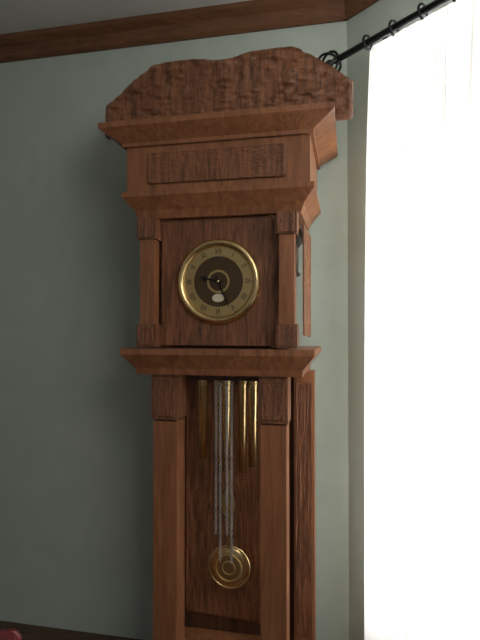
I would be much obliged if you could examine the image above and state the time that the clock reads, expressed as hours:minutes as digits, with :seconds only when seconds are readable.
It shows 9:26
